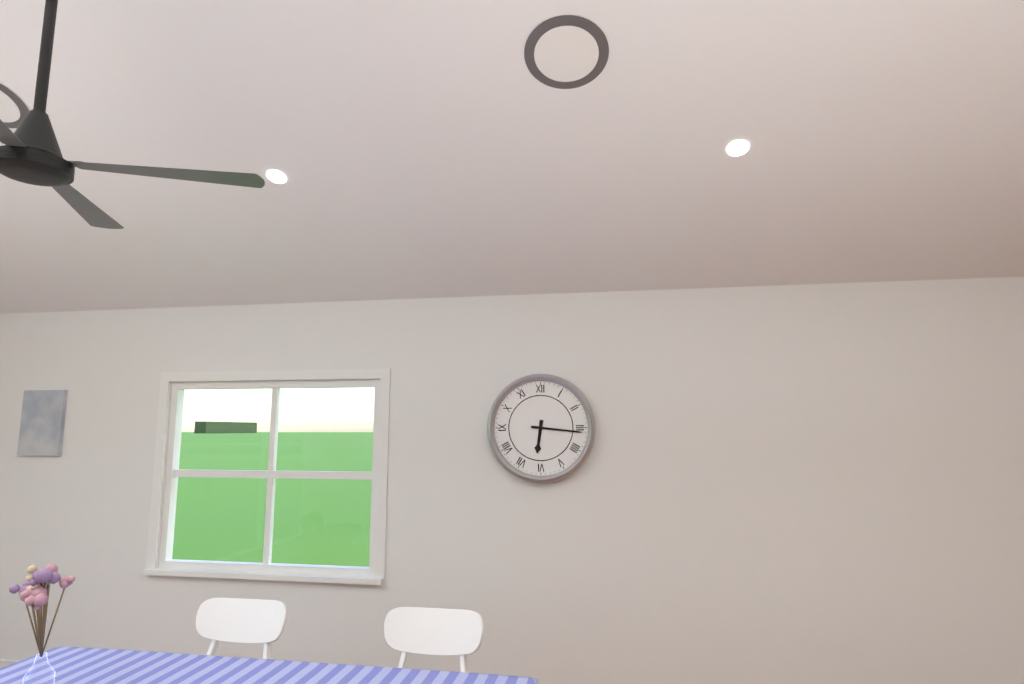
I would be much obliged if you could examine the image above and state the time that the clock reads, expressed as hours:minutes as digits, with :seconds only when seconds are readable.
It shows 6:16
